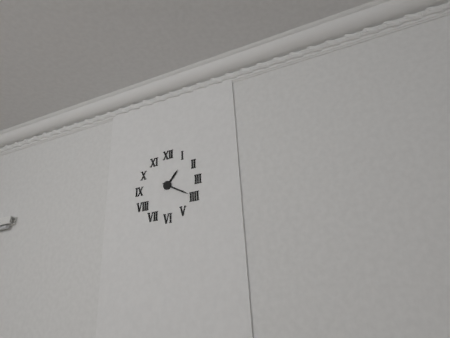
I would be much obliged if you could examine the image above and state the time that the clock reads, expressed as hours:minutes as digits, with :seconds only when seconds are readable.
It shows 1:20
